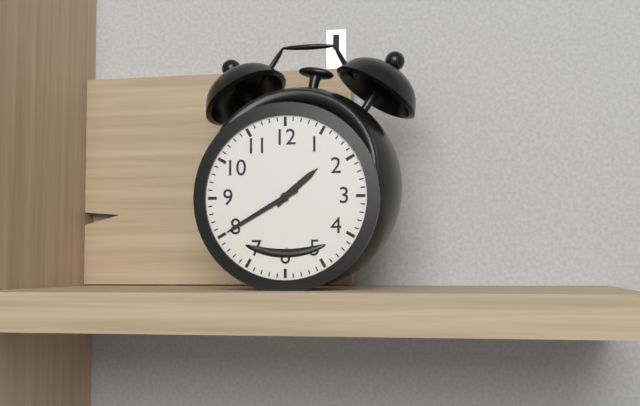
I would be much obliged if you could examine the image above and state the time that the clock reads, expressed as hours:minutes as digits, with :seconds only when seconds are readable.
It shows 1:40
